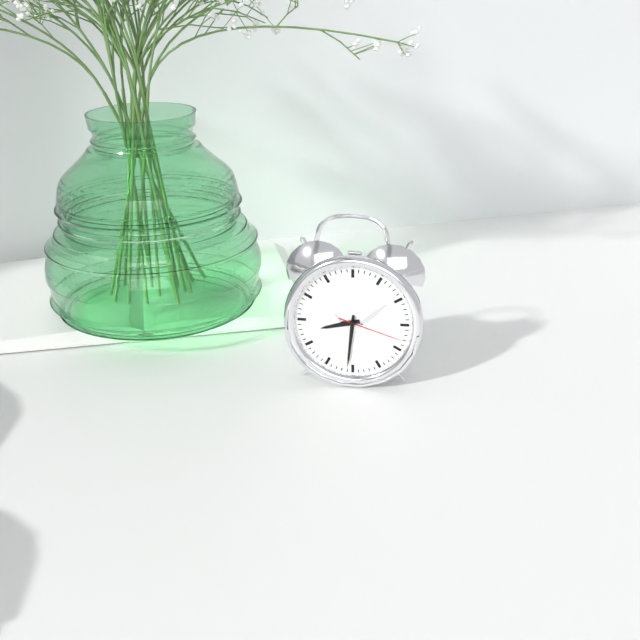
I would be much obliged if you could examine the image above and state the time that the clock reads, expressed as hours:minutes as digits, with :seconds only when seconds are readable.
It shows 8:31:18
